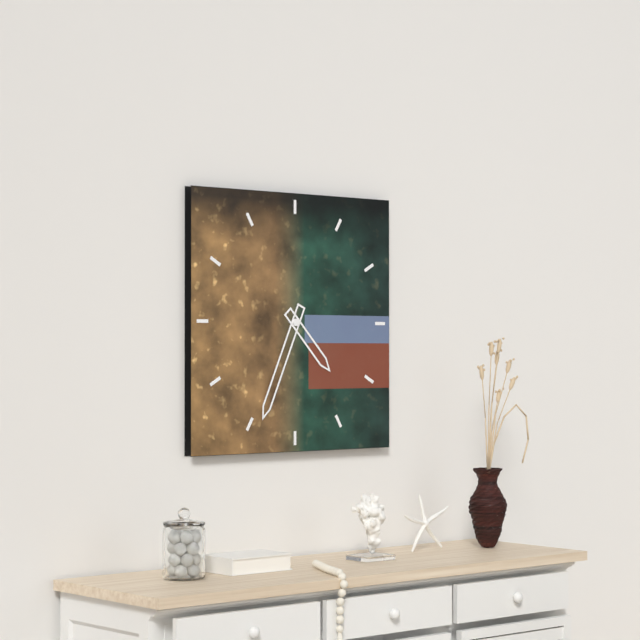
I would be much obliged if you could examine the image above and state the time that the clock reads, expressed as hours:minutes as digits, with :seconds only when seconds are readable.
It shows 4:34
